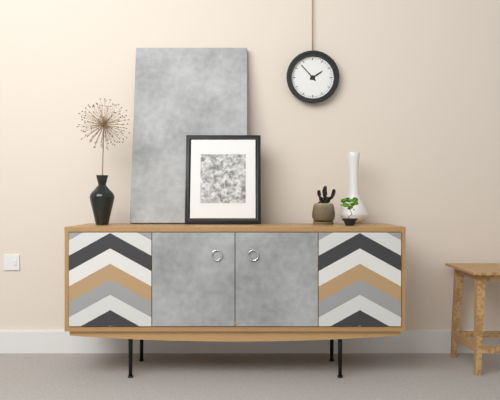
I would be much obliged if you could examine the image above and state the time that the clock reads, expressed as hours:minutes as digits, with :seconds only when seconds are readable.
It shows 1:53
